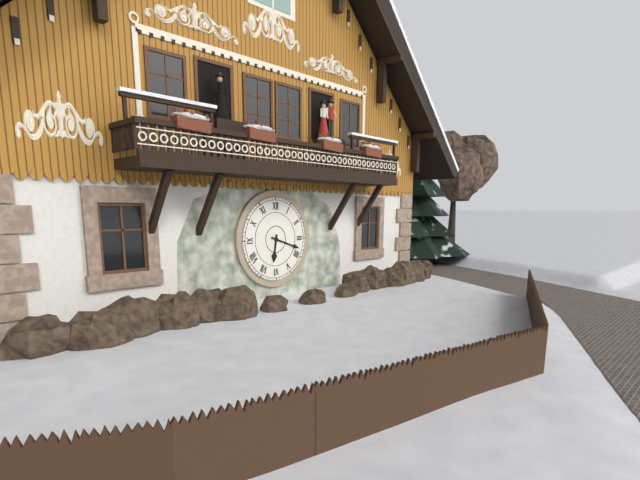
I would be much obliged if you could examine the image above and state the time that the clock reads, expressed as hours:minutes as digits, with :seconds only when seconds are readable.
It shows 6:18
